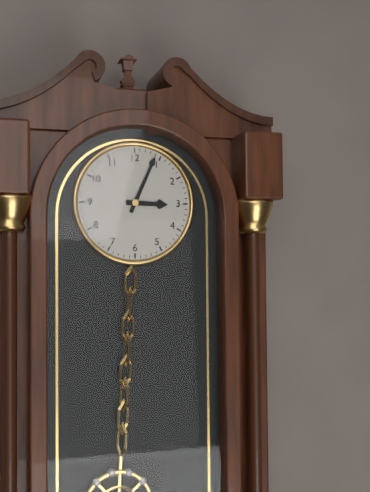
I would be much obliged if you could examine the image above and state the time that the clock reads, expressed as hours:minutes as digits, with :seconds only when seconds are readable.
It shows 3:04
